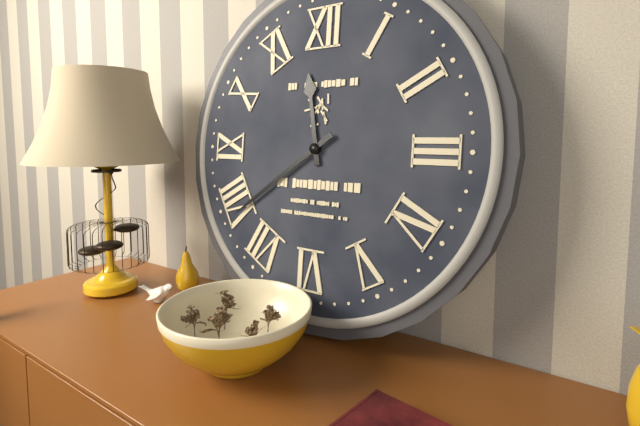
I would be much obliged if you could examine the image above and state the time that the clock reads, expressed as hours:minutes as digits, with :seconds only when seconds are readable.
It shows 11:39
